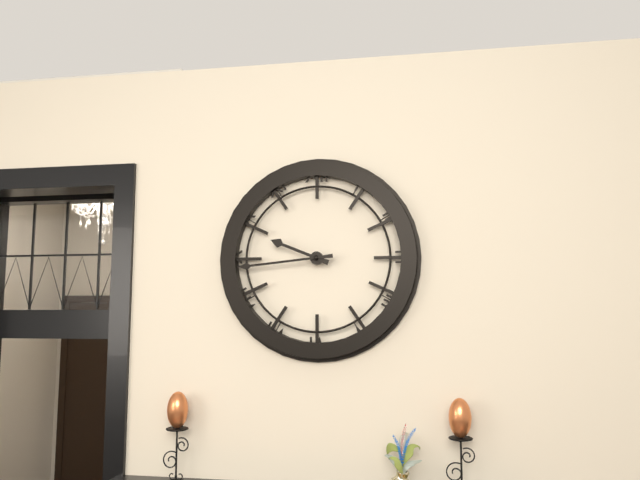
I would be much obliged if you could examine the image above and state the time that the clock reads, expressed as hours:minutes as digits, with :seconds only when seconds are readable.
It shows 9:44
